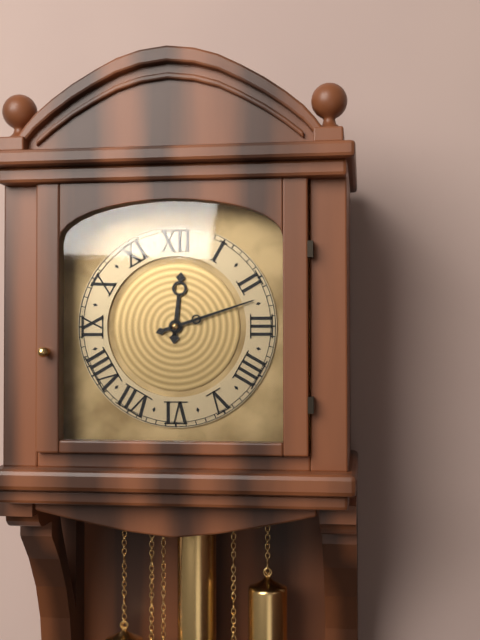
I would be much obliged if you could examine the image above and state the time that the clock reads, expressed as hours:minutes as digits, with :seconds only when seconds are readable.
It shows 12:12
